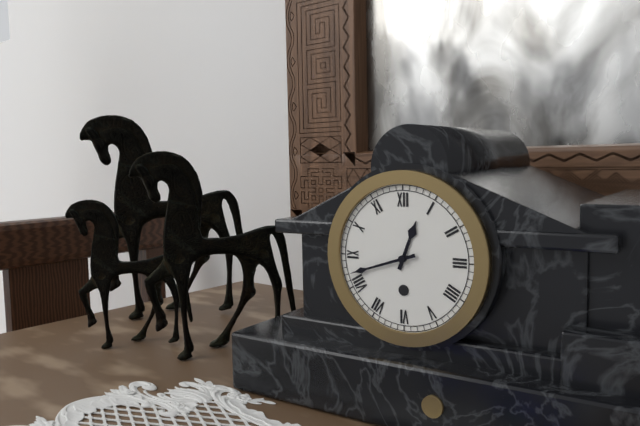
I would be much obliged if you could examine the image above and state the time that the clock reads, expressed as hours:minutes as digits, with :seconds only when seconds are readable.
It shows 12:42
